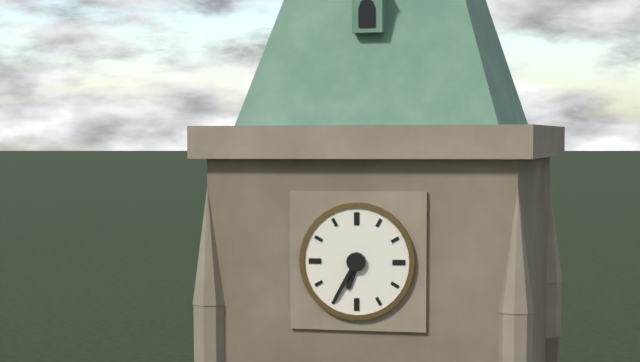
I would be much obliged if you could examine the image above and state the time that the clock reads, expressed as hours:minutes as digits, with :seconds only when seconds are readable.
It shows 6:35
